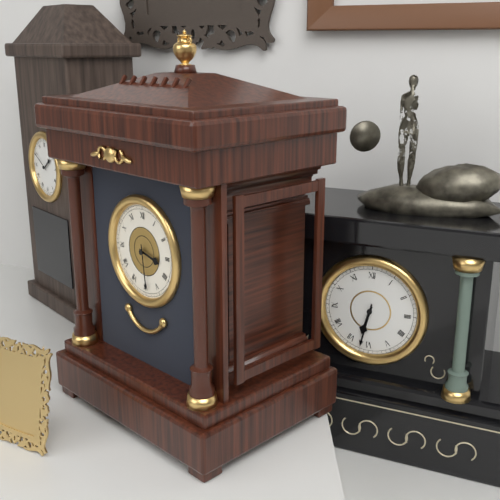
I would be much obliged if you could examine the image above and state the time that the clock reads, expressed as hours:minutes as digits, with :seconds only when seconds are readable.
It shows 3:29
